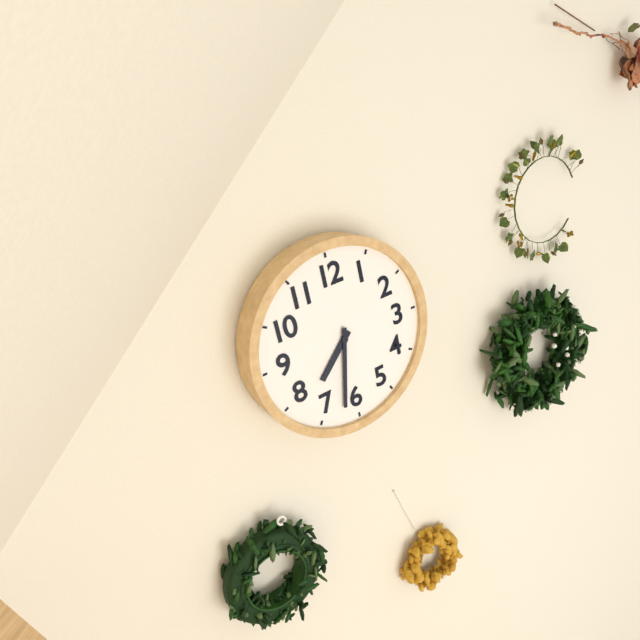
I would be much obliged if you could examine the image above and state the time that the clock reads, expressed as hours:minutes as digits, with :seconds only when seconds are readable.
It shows 7:32
